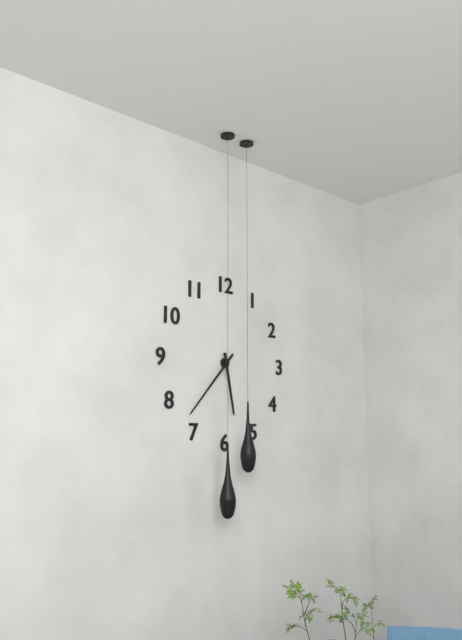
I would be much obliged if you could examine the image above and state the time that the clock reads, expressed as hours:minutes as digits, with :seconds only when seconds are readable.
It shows 5:37
